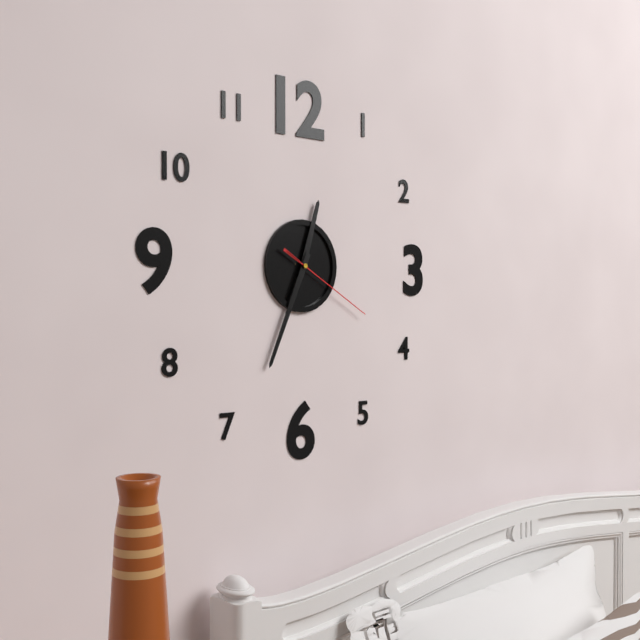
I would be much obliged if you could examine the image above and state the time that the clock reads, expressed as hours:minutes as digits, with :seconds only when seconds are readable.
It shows 12:34:20
